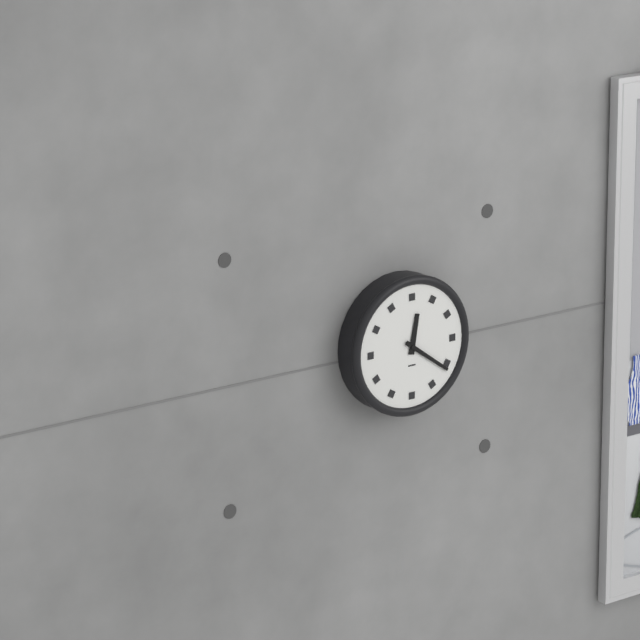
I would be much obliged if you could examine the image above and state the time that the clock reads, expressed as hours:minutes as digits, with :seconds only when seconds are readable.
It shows 12:21
